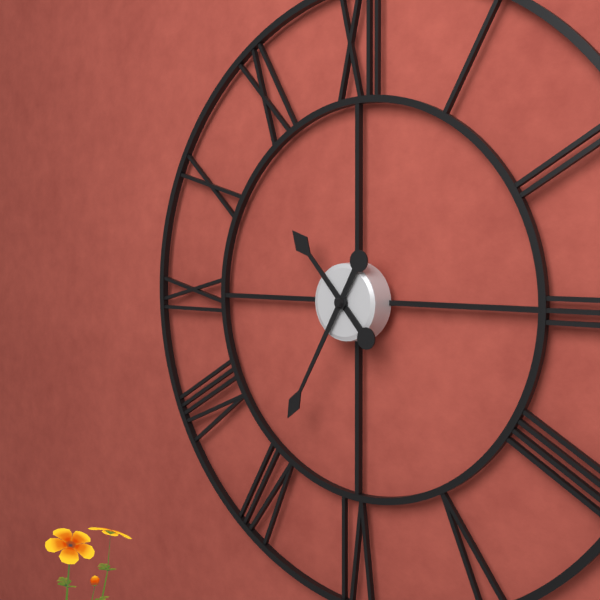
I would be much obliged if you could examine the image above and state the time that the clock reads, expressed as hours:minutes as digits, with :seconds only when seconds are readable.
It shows 10:35
